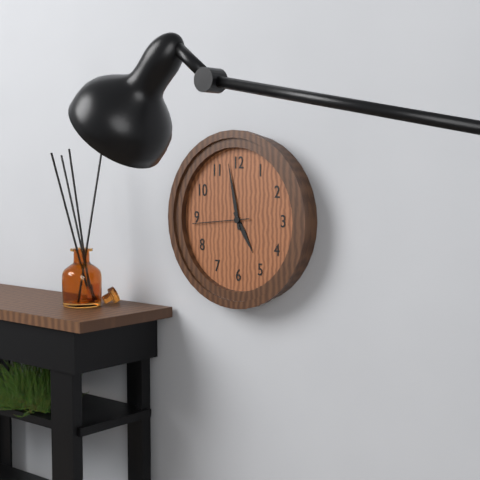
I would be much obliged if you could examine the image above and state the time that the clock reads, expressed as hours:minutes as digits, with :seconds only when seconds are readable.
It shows 4:58:44
